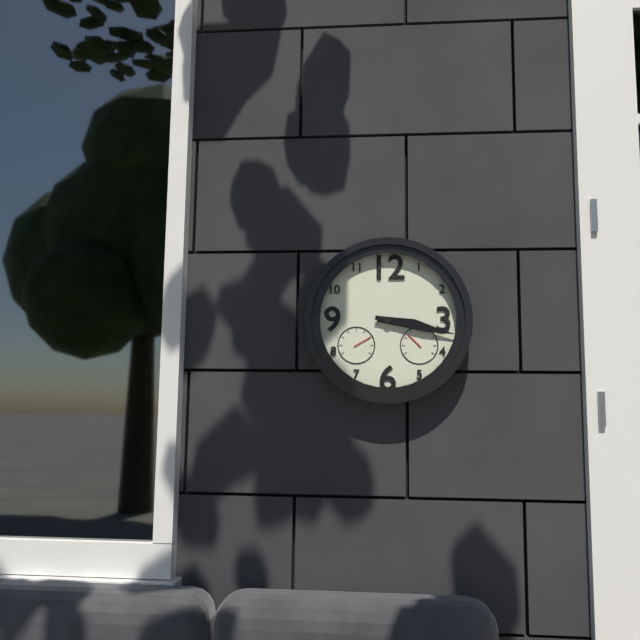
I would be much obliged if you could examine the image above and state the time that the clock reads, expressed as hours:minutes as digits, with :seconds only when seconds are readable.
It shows 3:17
